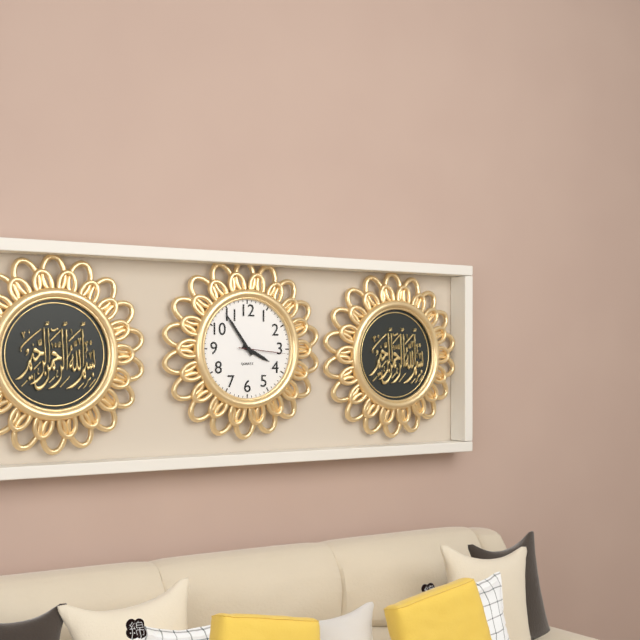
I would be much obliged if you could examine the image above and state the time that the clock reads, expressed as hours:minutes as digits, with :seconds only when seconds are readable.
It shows 3:54
